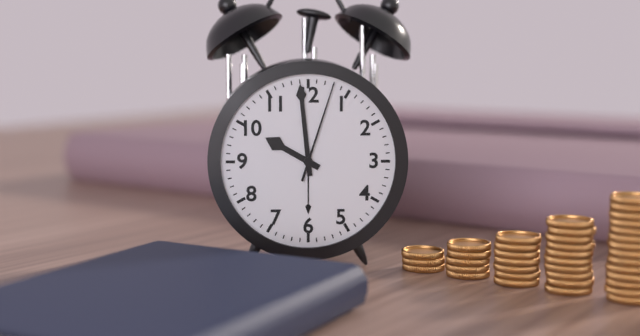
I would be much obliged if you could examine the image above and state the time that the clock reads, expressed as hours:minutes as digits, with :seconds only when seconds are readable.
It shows 9:59:03
